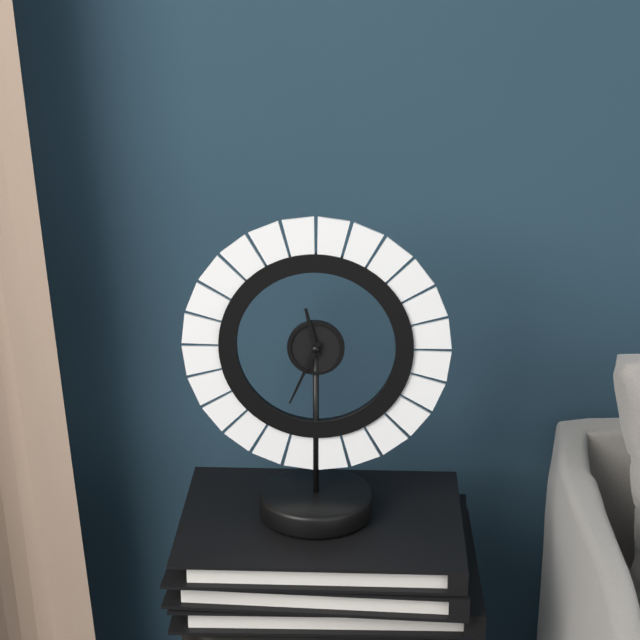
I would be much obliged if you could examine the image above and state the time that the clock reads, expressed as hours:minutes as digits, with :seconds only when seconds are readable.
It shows 11:34
